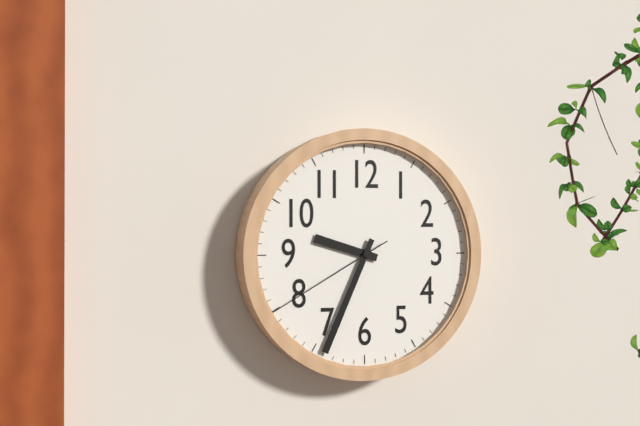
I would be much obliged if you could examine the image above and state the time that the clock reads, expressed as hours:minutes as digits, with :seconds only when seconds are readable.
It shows 9:34:40
